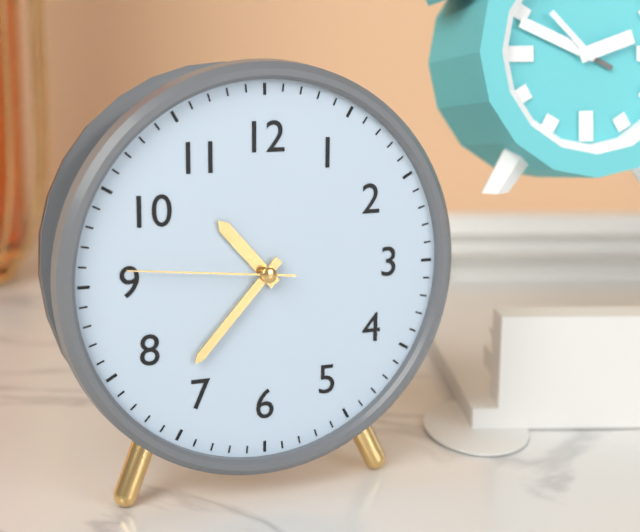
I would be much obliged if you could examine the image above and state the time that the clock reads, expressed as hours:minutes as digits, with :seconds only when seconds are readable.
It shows 10:37:46
